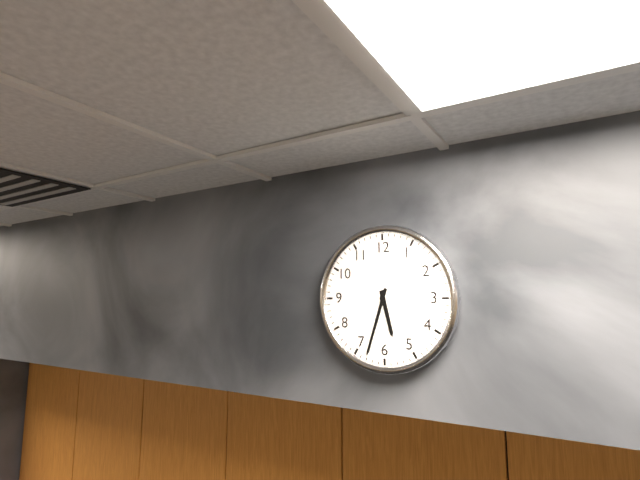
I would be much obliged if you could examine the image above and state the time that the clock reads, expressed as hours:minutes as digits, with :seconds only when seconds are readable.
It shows 5:33
